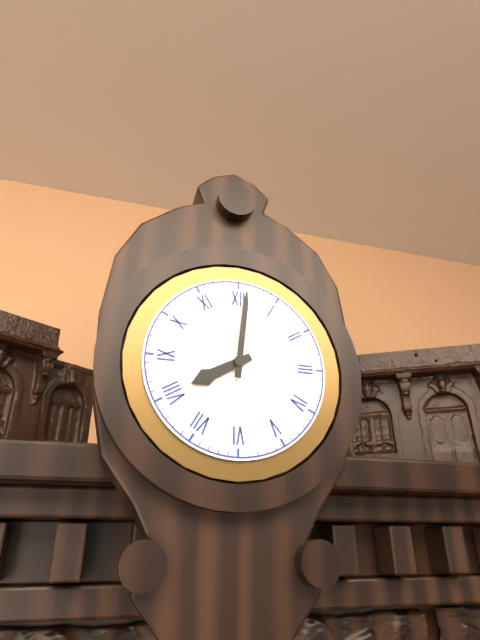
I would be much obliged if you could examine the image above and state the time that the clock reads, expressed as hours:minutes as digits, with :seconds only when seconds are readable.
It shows 8:01
